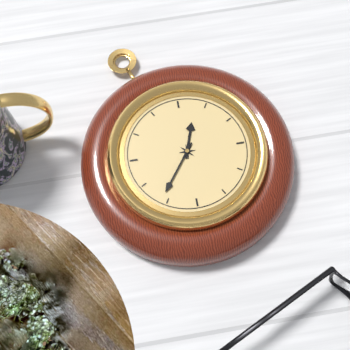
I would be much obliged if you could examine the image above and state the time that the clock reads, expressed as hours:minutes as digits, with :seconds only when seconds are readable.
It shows 12:36
